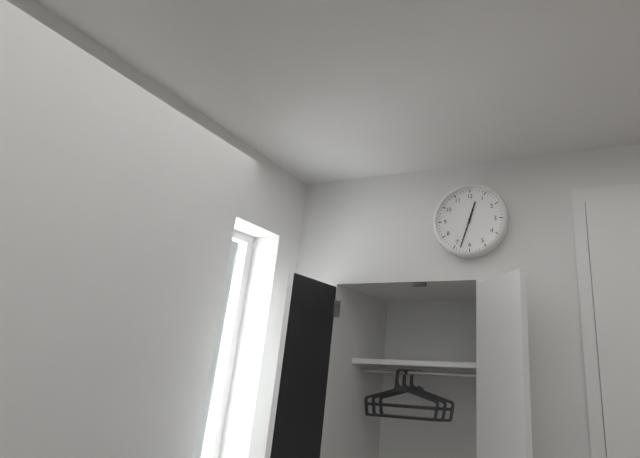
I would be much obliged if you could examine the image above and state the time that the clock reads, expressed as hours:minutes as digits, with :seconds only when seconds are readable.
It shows 12:33
